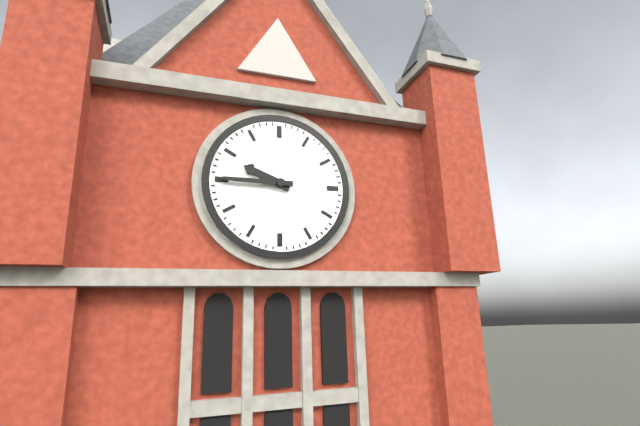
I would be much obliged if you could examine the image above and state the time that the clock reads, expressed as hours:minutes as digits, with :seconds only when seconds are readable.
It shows 9:45
